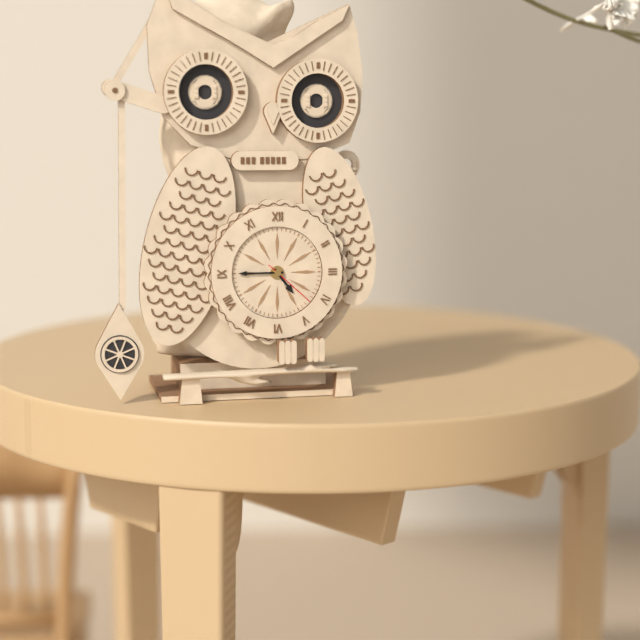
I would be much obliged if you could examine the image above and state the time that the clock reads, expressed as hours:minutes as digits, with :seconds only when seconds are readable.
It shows 4:45:22
